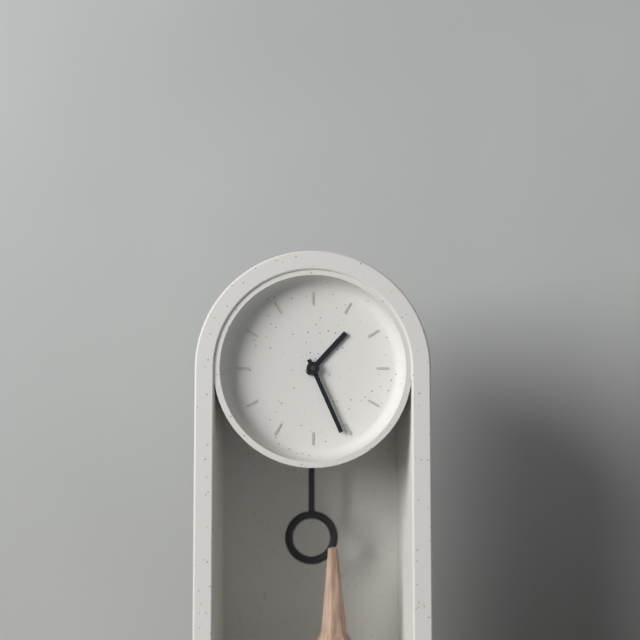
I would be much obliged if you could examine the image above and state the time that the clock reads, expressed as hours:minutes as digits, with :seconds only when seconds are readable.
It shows 1:26
